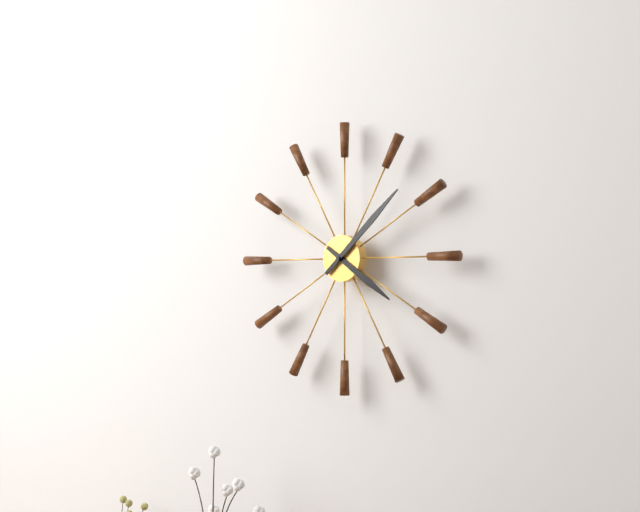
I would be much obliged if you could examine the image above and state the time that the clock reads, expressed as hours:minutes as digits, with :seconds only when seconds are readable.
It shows 4:08
